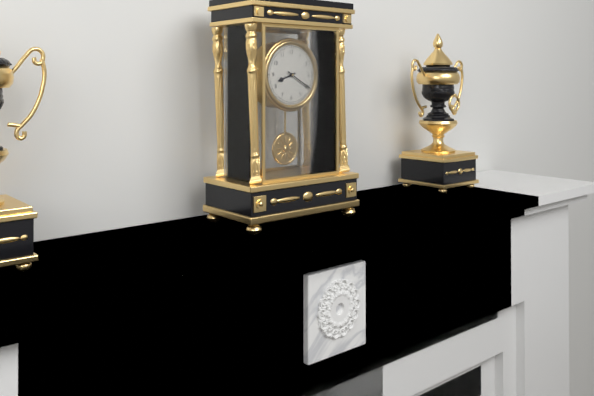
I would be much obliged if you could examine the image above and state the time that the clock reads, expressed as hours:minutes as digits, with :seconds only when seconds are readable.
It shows 8:20
